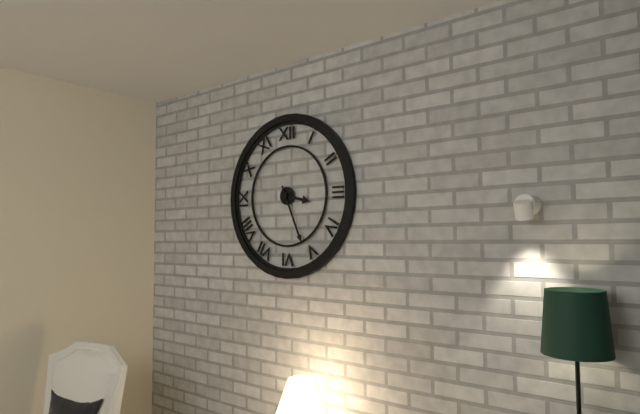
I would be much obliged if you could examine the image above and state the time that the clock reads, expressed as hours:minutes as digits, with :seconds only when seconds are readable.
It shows 3:26
